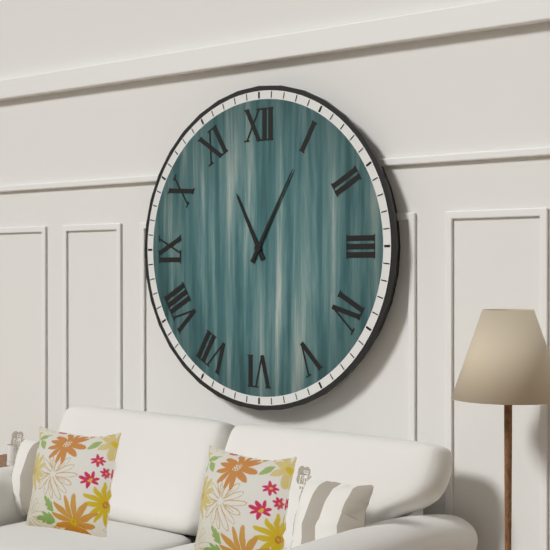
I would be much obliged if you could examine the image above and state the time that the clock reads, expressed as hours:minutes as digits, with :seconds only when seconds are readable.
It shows 11:05
